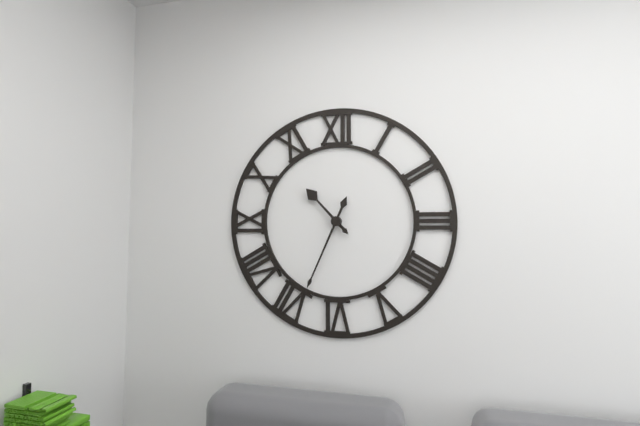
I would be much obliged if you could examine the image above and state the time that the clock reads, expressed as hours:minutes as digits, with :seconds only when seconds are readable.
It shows 10:34
